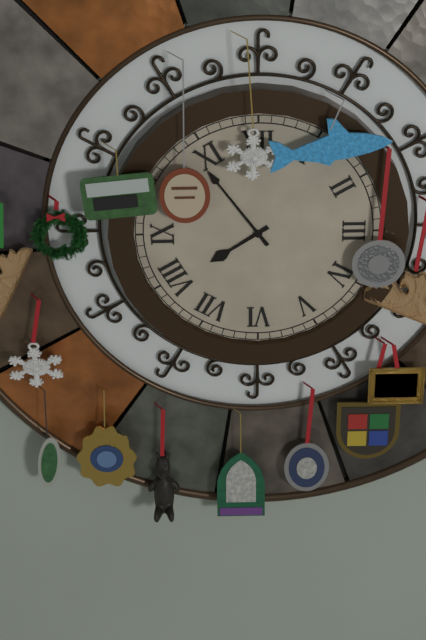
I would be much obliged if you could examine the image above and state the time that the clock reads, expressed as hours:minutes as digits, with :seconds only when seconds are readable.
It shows 7:54
